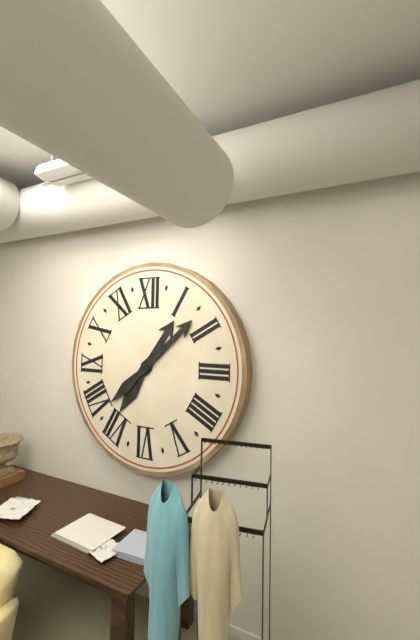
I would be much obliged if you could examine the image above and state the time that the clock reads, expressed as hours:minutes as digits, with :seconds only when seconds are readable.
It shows 1:08
